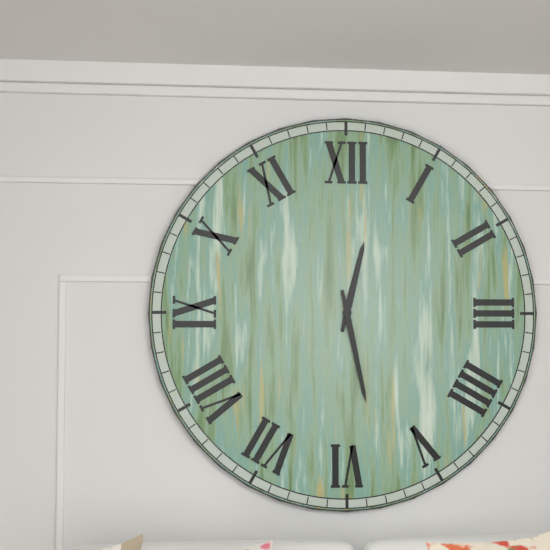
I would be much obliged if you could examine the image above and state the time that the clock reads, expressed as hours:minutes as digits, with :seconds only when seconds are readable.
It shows 12:28
